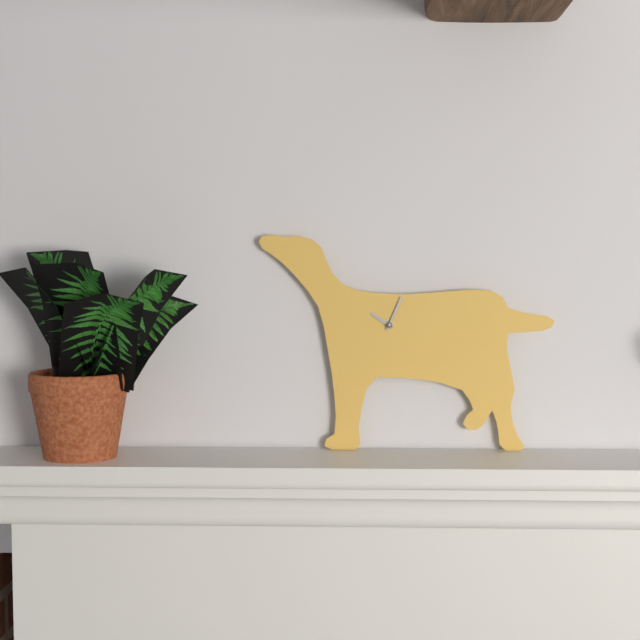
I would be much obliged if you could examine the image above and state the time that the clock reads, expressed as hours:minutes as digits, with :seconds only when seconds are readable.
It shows 10:04
